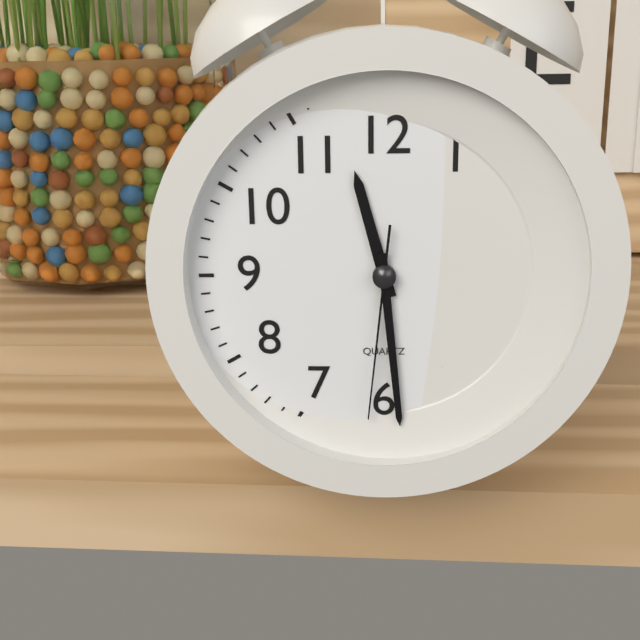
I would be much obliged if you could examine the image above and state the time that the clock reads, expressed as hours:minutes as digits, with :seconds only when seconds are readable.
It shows 11:29:31
